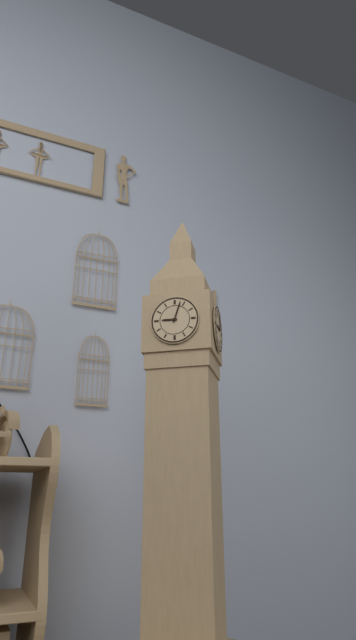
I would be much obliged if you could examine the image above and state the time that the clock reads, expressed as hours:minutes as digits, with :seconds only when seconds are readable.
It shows 9:03
